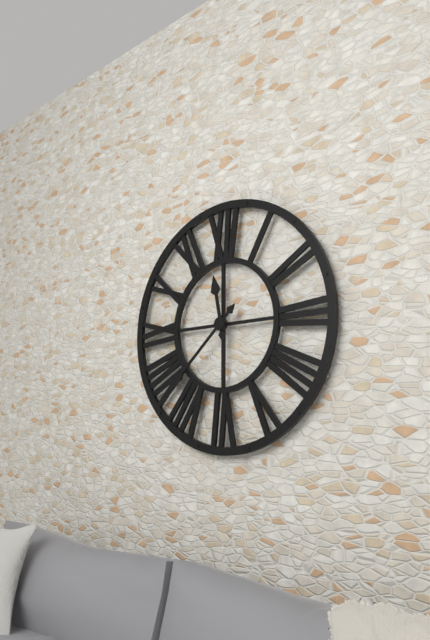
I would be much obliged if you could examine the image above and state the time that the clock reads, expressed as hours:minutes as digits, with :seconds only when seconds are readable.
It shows 11:38
